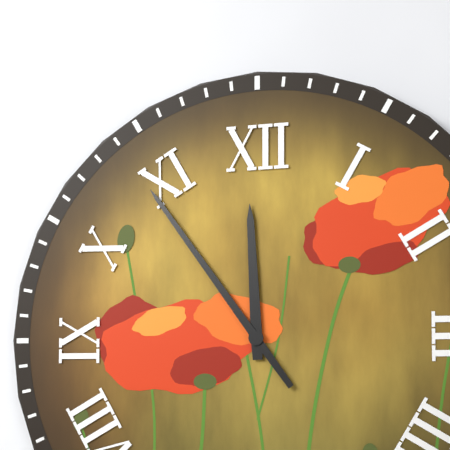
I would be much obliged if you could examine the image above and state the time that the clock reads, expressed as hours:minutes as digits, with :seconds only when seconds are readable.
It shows 11:54
